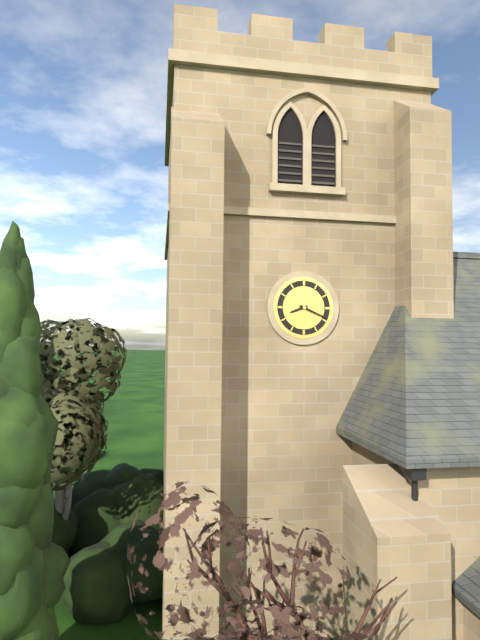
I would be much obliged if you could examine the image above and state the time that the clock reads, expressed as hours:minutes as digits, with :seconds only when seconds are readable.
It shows 8:19
